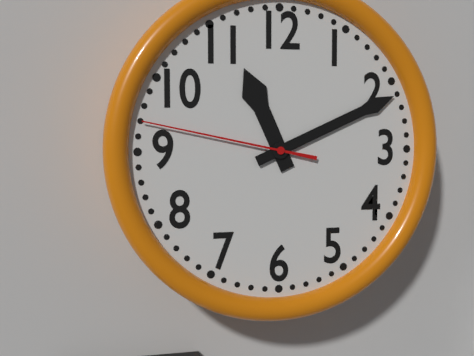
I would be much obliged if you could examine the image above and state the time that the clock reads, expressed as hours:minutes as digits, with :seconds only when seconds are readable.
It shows 11:11:47
